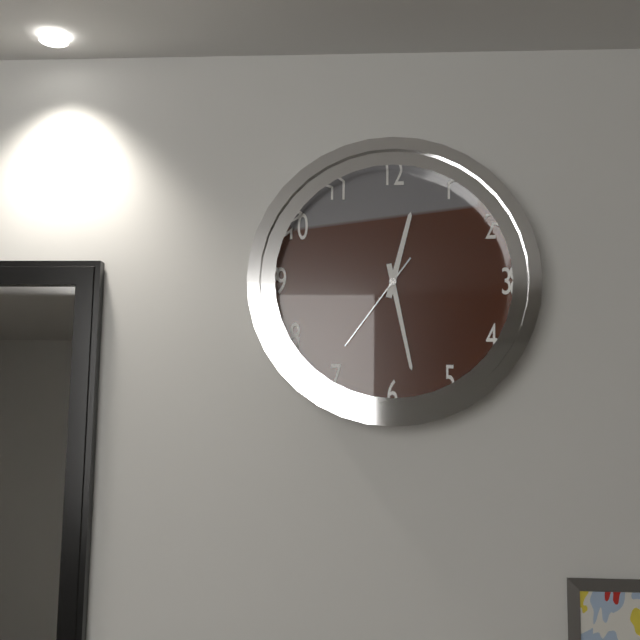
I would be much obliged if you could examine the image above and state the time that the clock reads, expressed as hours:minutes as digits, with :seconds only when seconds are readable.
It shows 12:28:36
